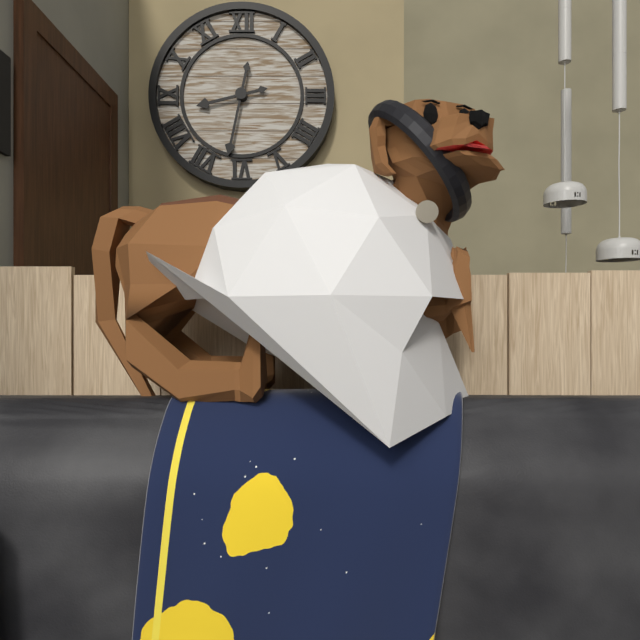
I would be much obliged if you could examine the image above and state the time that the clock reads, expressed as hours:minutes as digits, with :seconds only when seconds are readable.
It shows 8:32
